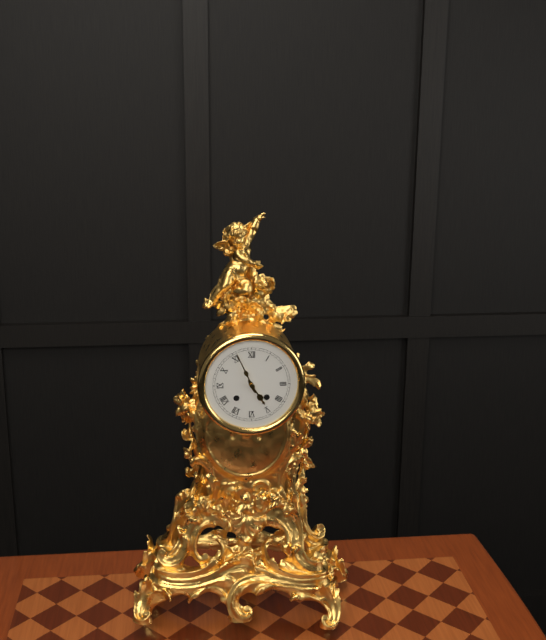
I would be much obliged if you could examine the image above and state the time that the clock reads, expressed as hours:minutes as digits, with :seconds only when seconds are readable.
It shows 4:56
